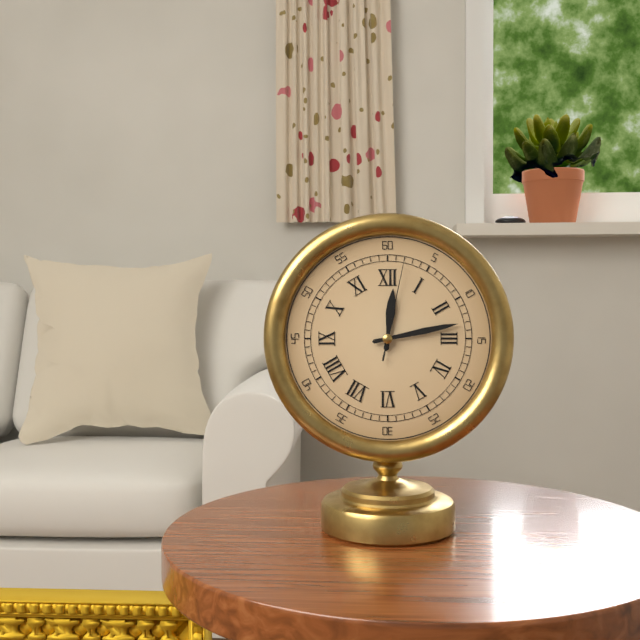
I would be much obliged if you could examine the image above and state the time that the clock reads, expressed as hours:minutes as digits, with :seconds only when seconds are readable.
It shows 12:13:02
